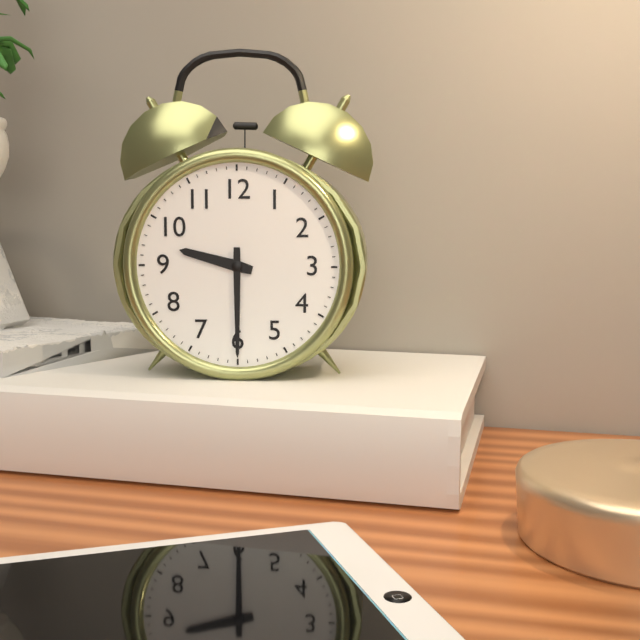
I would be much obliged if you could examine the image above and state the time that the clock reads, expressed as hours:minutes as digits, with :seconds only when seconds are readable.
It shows 9:30
